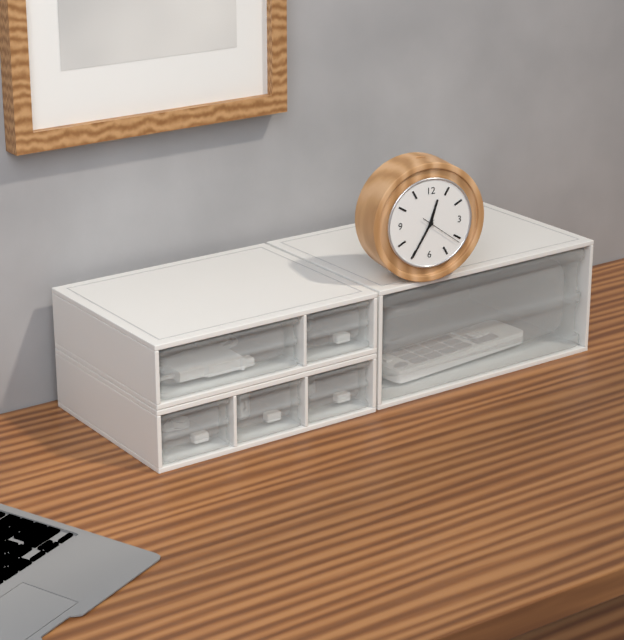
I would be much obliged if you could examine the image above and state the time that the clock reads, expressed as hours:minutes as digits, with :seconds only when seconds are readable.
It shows 12:35
